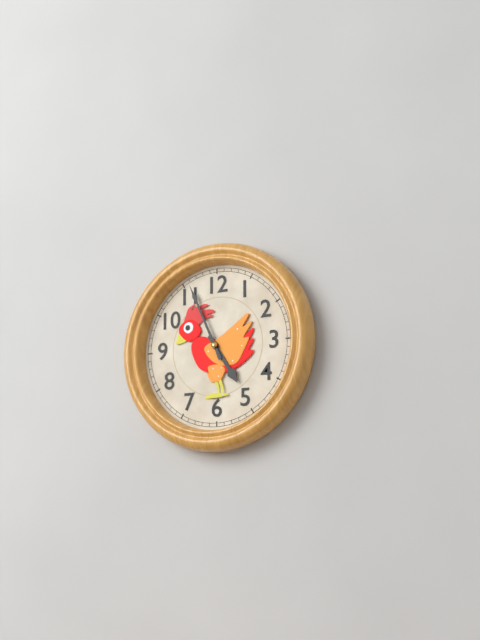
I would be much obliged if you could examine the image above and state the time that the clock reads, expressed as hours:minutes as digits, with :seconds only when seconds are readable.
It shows 4:56
